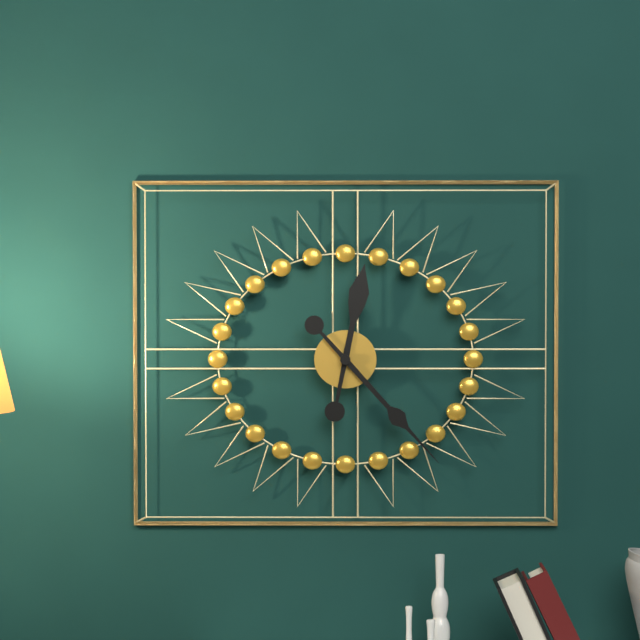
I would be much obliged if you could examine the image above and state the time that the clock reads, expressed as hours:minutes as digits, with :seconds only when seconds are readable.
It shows 12:23
